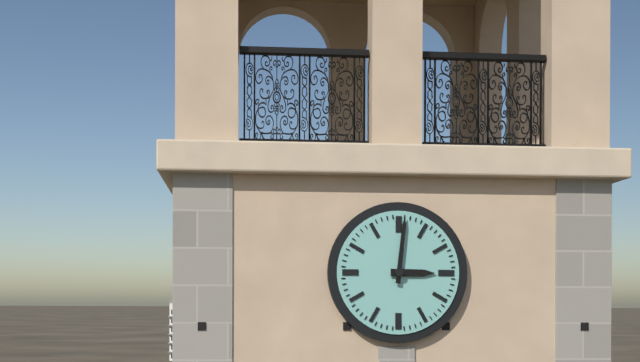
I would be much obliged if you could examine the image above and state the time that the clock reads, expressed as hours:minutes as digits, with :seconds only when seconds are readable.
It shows 3:01
